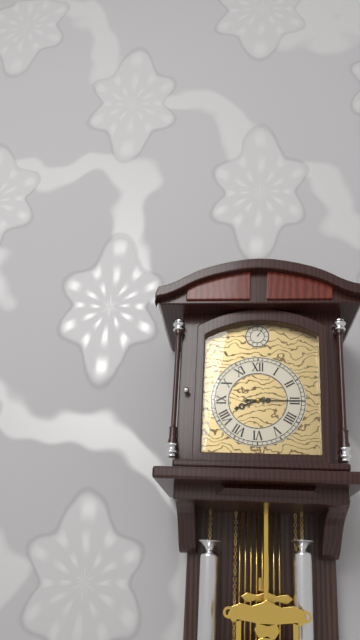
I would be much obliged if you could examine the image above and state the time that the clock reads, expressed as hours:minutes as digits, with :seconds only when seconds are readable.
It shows 8:15
